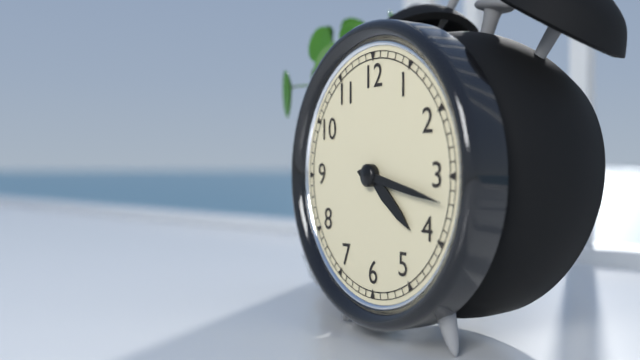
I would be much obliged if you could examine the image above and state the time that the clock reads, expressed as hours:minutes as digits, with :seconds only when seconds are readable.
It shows 4:17
